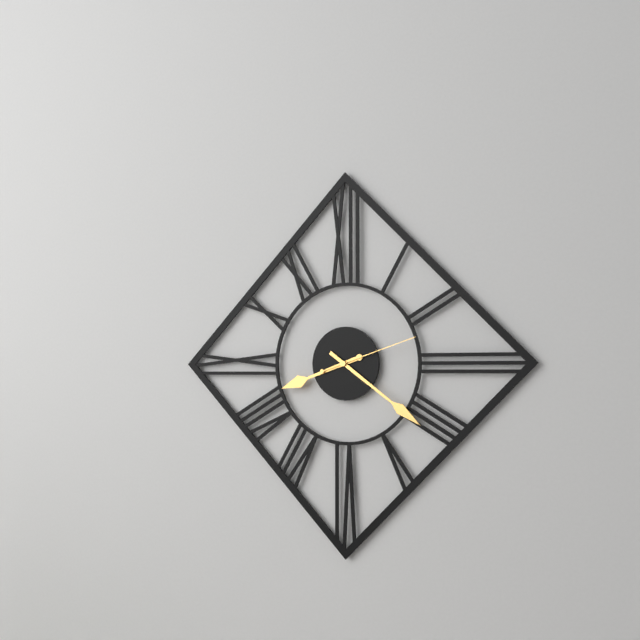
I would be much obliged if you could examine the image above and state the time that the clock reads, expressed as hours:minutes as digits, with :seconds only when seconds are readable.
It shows 8:21:12
